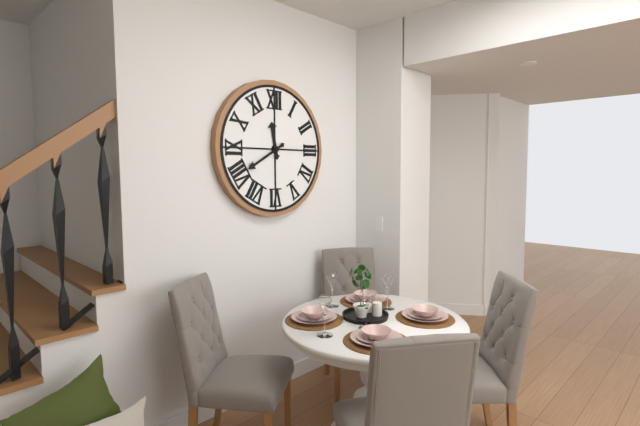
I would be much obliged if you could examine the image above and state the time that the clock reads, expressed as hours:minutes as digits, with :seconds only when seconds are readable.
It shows 11:40
